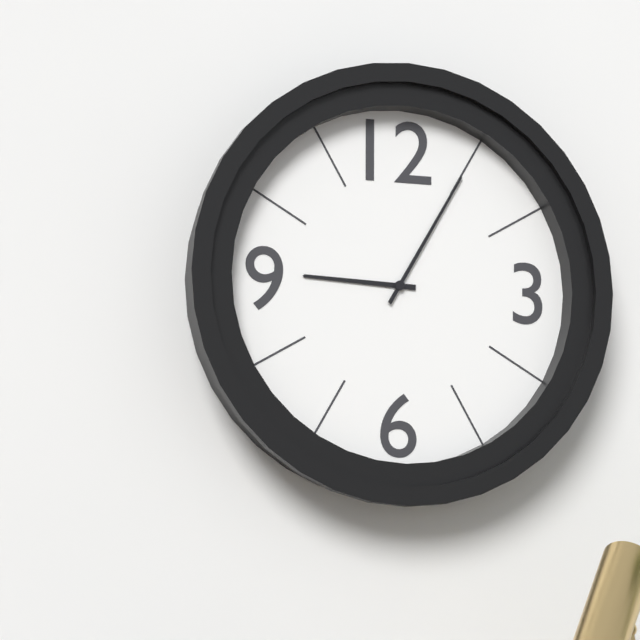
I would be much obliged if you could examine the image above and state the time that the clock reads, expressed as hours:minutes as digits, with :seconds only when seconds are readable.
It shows 9:05
